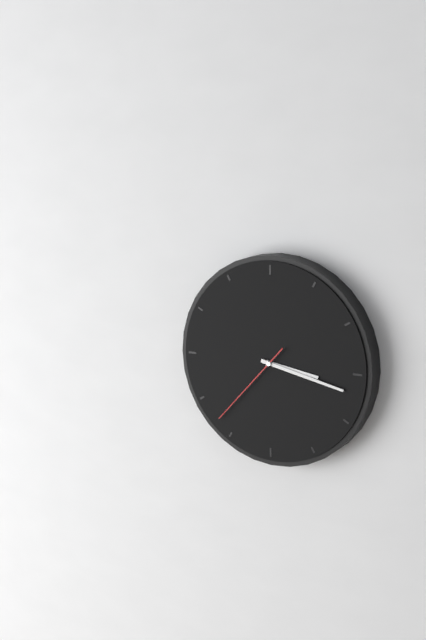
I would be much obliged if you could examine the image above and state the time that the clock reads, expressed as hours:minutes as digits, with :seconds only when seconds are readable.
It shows 3:17:37
